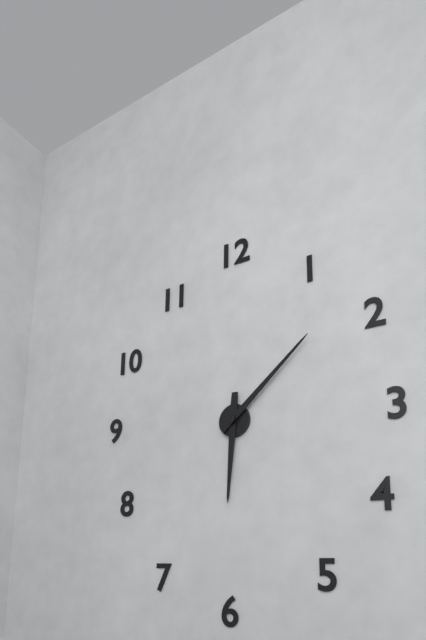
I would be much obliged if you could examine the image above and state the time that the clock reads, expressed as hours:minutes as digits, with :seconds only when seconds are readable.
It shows 6:08
